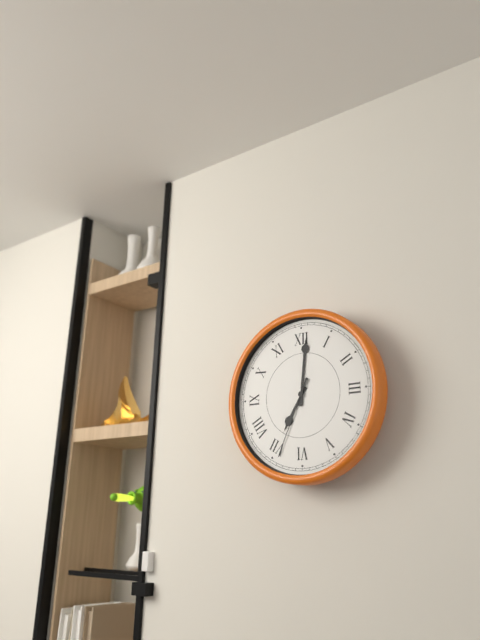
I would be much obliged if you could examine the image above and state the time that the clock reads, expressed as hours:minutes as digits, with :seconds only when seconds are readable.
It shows 7:01:34
